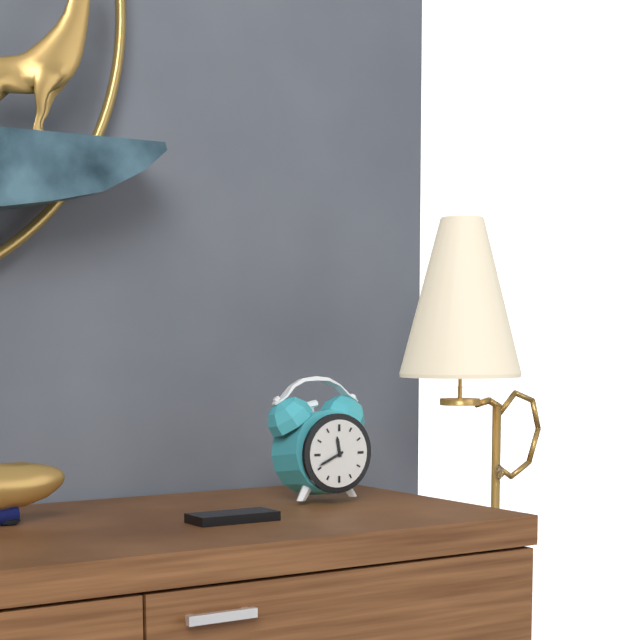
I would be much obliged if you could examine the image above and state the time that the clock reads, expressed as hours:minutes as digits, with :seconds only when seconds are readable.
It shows 11:41
